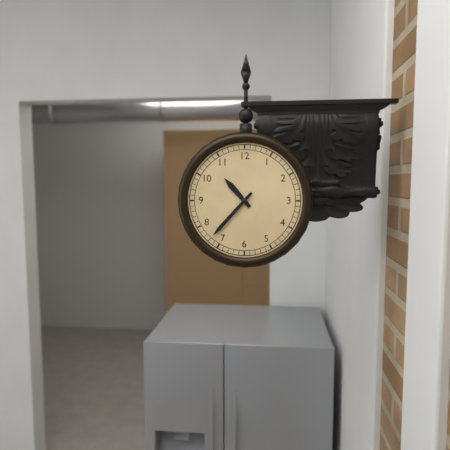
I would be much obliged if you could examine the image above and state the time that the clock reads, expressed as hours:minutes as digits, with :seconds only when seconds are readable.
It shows 10:37
